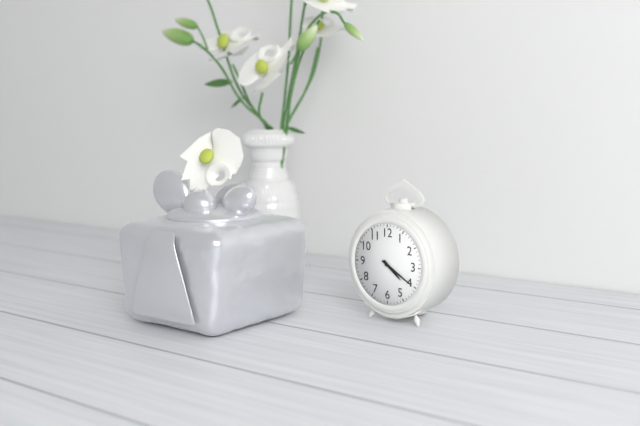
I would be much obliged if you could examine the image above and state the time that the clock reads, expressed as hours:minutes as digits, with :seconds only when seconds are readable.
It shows 4:20
